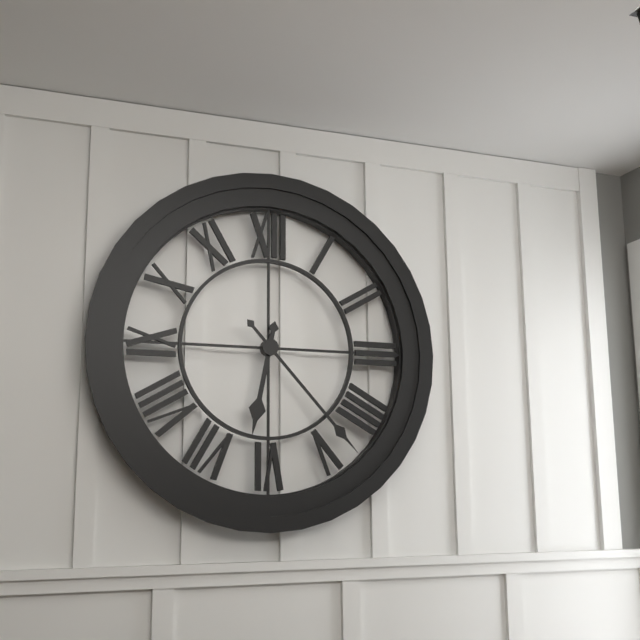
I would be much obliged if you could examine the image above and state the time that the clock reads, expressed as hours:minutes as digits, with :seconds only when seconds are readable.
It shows 6:23
